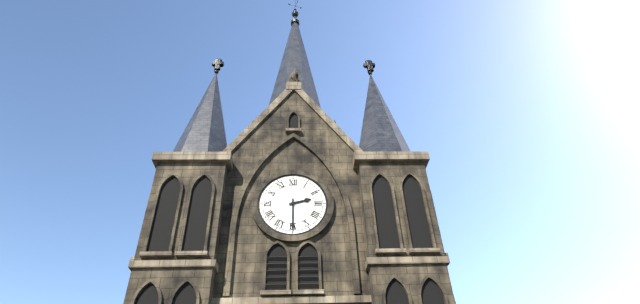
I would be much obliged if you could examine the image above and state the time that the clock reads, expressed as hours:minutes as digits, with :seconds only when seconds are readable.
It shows 2:30
